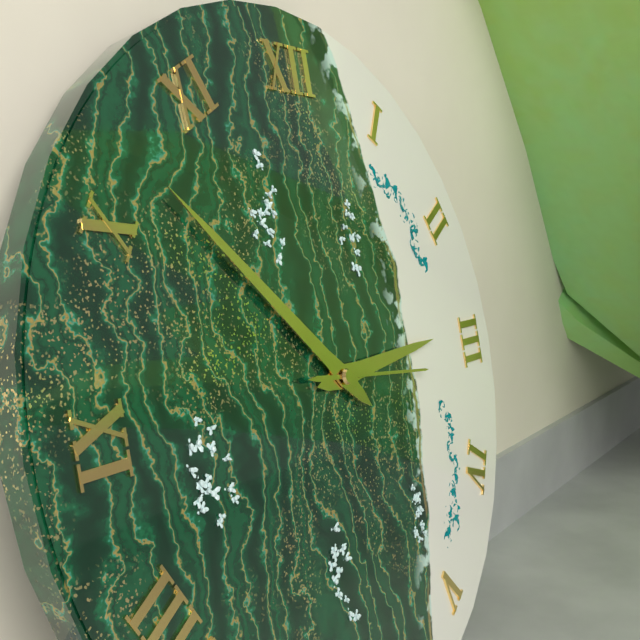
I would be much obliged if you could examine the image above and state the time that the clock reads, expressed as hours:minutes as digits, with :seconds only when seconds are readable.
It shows 2:52:16
